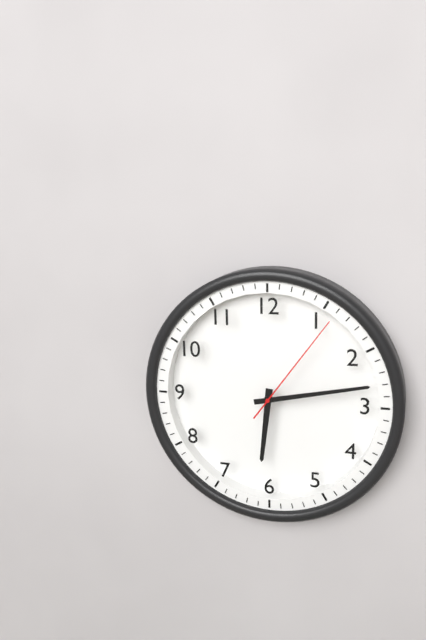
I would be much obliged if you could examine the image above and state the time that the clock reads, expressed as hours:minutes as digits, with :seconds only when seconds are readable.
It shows 6:13:06
